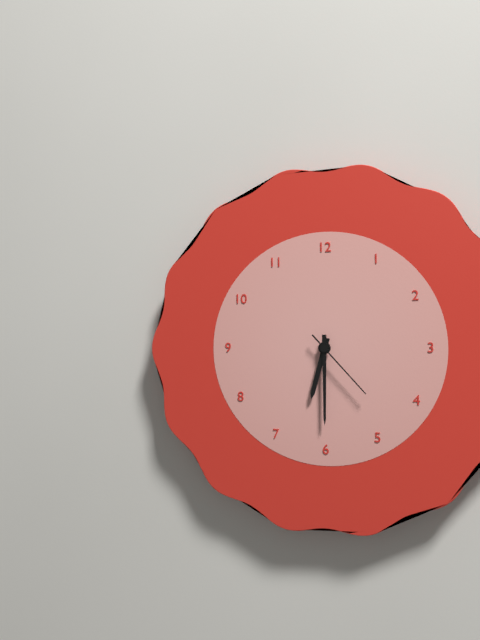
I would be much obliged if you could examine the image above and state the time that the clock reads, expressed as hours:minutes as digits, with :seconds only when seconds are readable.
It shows 6:30:23
